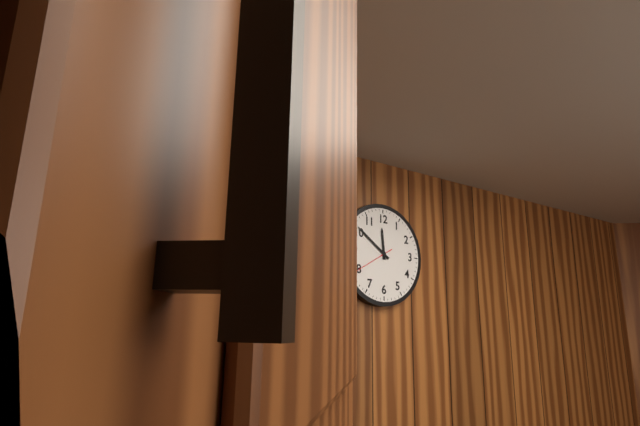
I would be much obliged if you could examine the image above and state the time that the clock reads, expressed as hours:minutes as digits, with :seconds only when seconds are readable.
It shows 11:51
